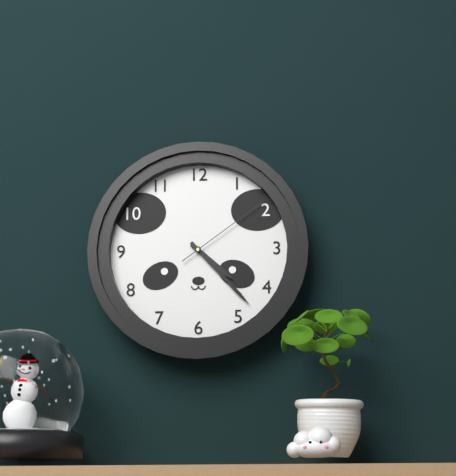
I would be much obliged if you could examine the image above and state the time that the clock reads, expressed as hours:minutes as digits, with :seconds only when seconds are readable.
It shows 4:23:09
